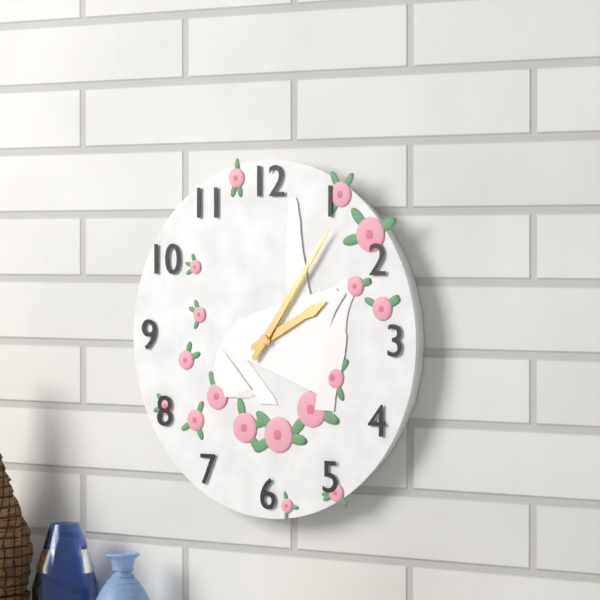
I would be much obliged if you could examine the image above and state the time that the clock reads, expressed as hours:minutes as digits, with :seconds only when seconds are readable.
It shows 2:06
